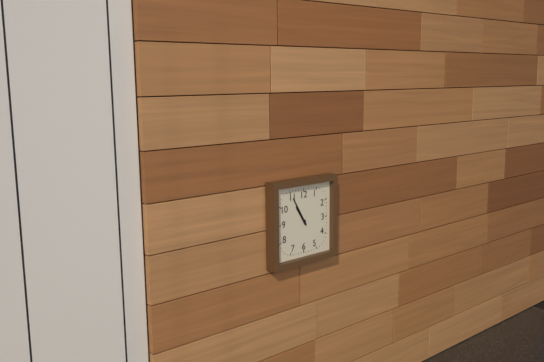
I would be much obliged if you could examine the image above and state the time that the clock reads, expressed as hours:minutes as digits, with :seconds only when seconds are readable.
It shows 10:55
